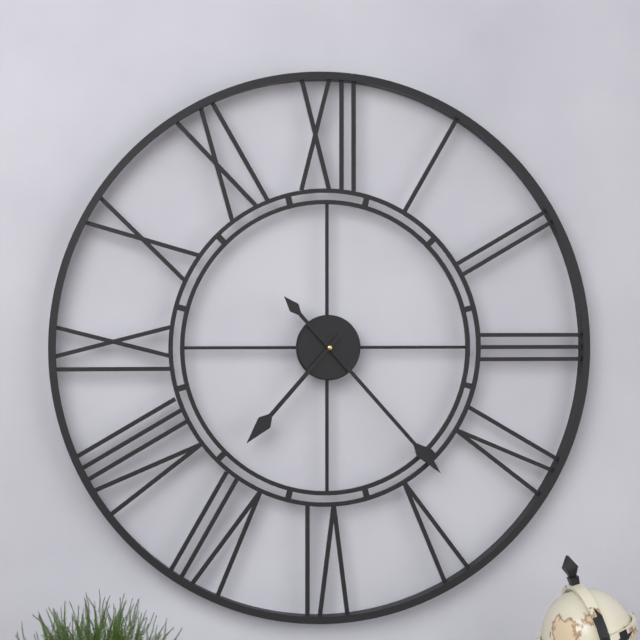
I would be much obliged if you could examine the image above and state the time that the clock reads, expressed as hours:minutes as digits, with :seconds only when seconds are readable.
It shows 7:23
